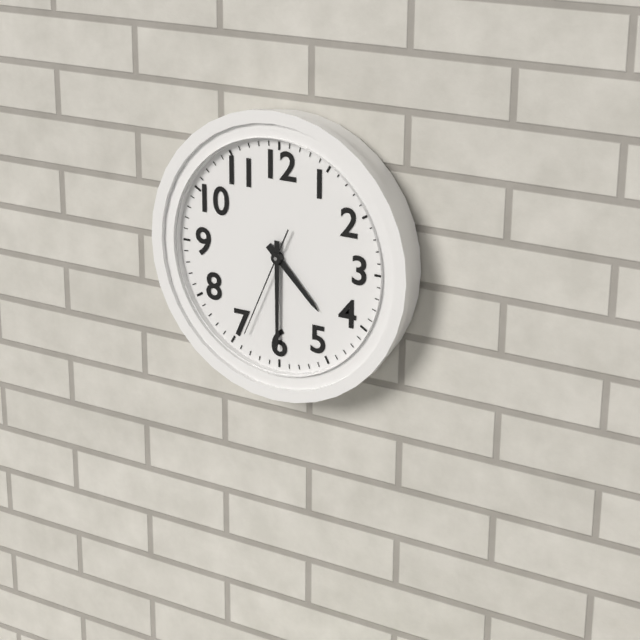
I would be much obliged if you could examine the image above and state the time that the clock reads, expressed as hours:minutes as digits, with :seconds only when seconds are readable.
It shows 4:30:34
